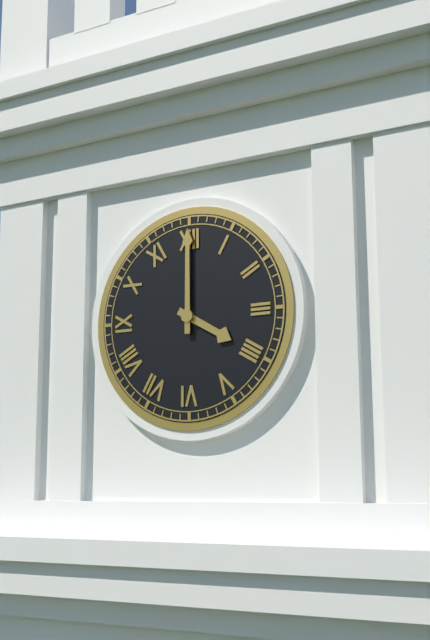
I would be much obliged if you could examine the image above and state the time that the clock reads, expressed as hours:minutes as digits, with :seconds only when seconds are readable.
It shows 4:00
